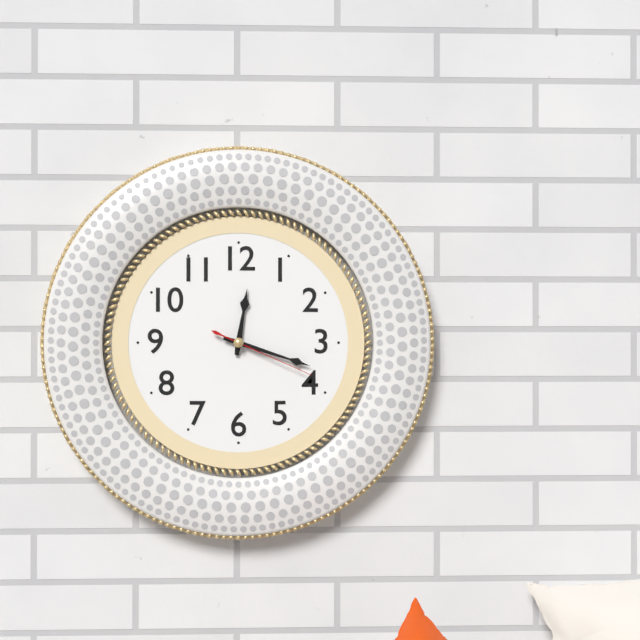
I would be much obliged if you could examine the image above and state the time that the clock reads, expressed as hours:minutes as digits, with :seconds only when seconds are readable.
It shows 12:18:19
